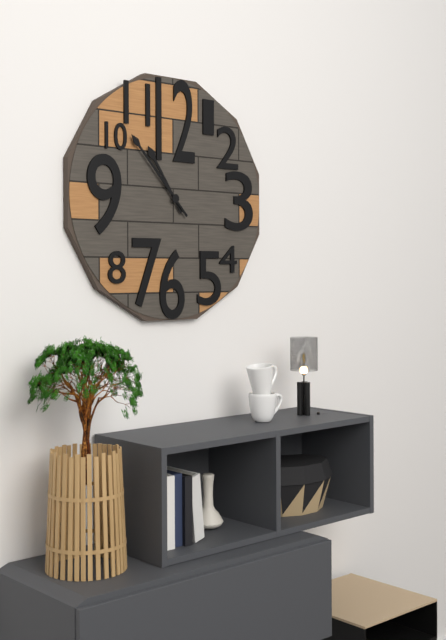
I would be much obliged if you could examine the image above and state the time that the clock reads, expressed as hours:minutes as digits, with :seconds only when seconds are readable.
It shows 10:53
